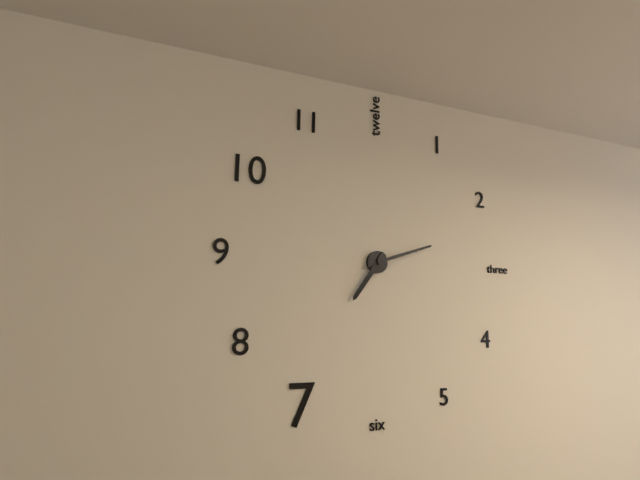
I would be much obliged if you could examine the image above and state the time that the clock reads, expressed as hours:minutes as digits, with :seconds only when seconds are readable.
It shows 7:12
